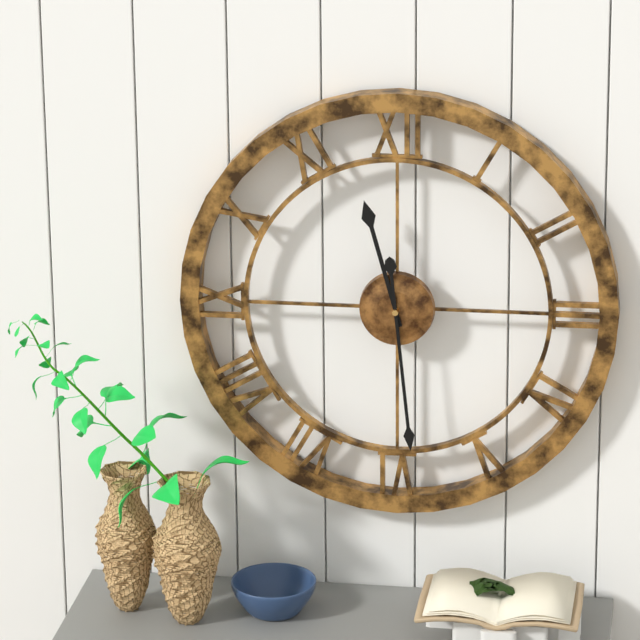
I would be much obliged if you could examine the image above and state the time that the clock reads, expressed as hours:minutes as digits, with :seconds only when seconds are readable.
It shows 11:29
